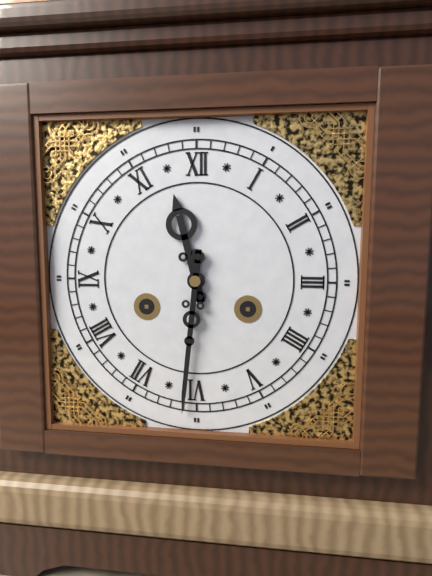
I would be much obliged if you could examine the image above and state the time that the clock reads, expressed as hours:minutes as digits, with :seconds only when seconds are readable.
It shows 11:31
